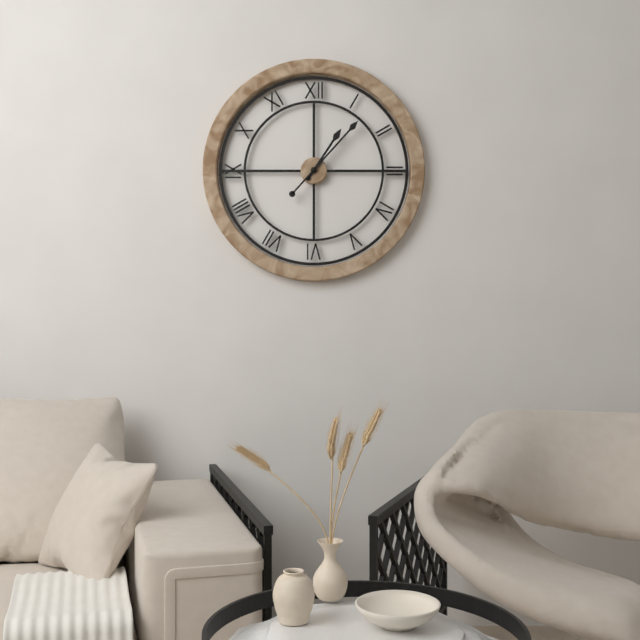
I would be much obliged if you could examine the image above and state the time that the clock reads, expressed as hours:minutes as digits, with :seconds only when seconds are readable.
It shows 1:07
